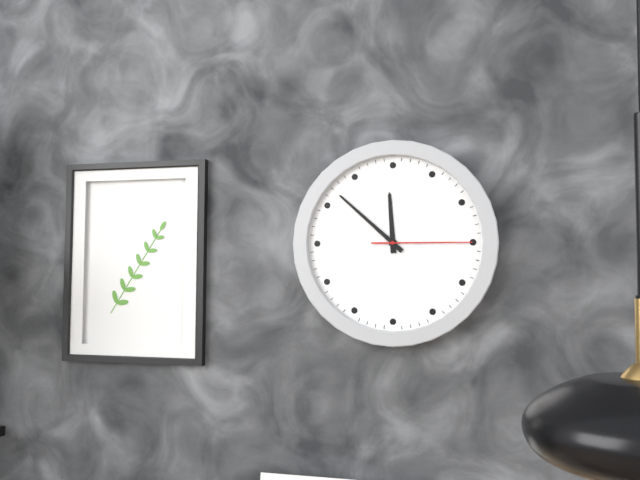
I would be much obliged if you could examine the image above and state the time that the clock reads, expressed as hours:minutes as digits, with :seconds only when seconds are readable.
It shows 11:52:15
